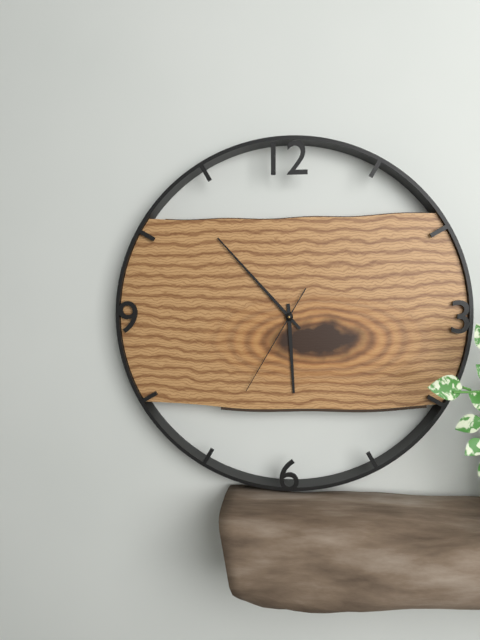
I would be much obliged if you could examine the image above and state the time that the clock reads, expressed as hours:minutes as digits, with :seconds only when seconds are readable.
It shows 5:53:35
